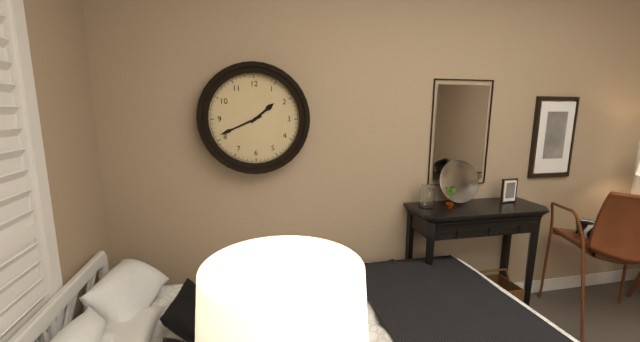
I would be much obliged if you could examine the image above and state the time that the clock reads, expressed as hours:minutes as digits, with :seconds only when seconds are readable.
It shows 1:41
